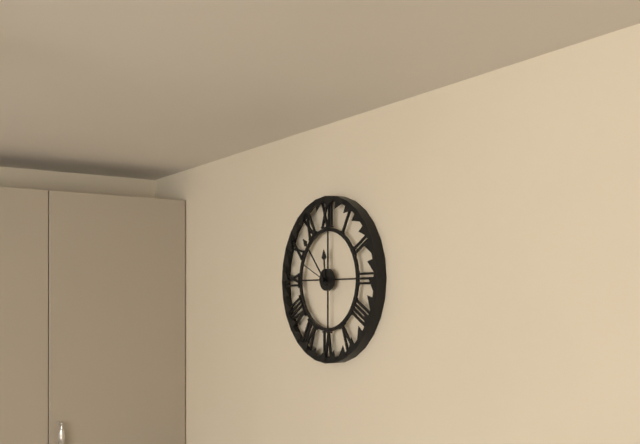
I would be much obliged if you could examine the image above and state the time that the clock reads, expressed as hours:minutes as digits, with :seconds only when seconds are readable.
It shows 11:53
